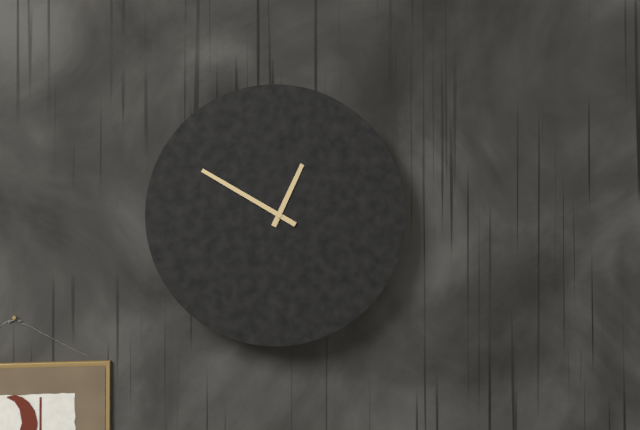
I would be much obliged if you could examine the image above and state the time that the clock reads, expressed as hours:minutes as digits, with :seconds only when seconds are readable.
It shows 12:50
